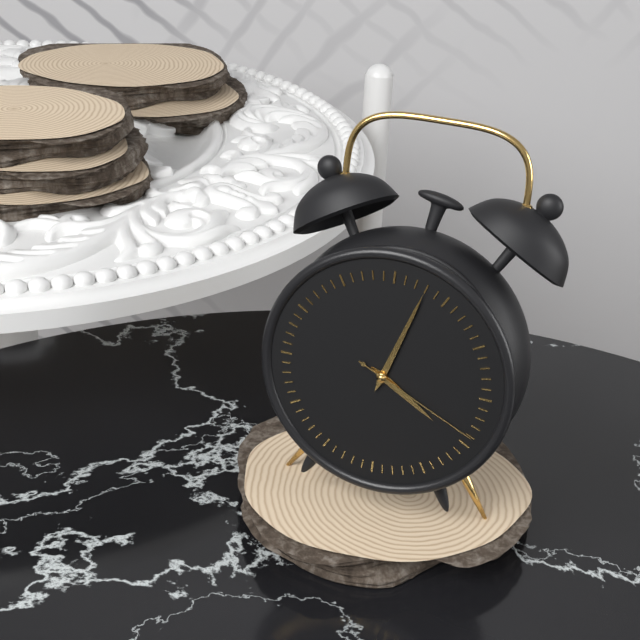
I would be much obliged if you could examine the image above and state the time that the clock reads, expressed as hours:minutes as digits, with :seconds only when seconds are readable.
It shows 4:03:19
